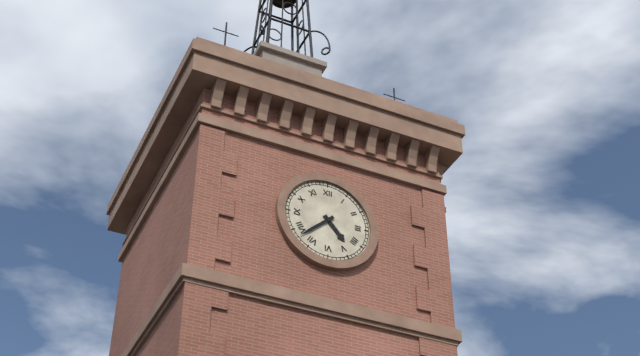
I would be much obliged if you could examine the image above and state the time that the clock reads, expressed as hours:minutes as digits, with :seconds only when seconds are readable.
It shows 4:38
